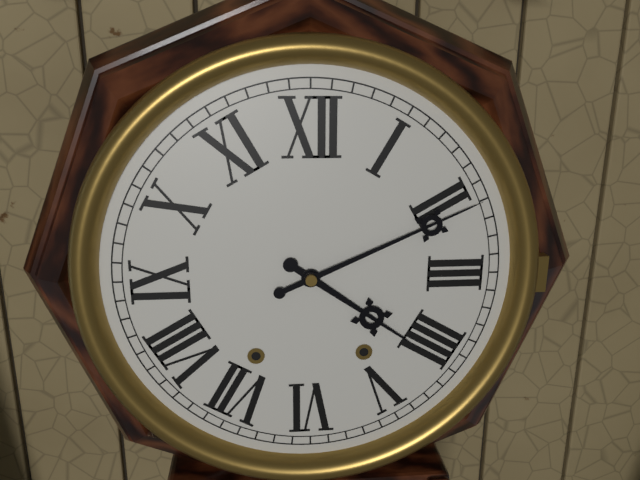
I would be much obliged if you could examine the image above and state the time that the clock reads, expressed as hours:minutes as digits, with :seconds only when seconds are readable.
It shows 4:11
